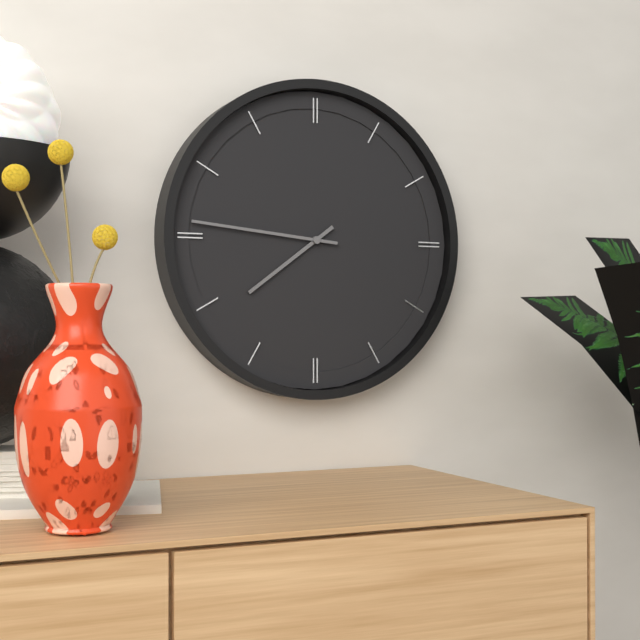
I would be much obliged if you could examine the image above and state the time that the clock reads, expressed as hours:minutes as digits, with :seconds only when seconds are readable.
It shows 7:46
